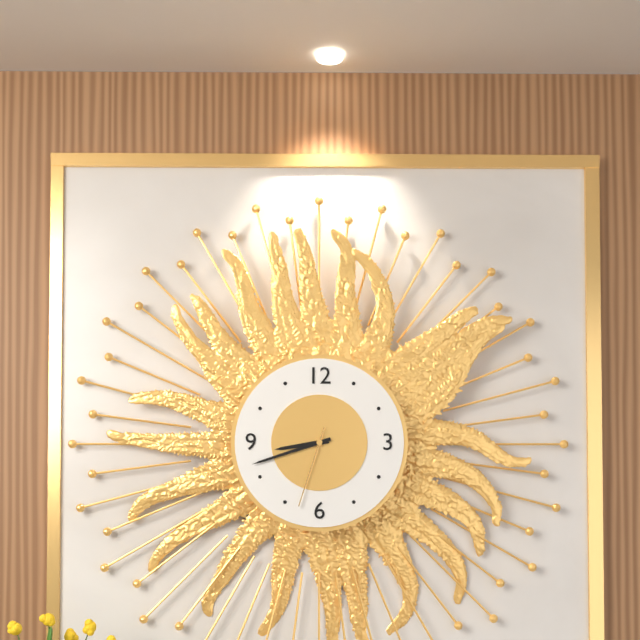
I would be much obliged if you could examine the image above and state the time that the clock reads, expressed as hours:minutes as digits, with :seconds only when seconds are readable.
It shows 8:42:33
